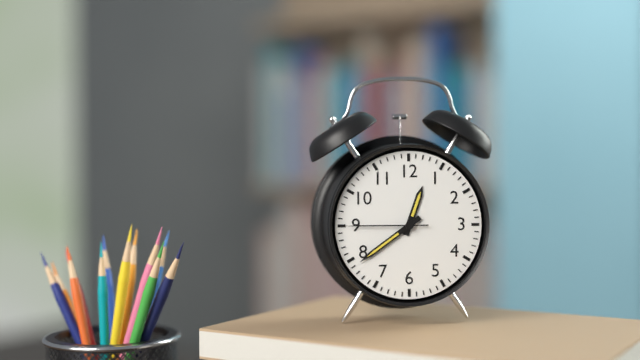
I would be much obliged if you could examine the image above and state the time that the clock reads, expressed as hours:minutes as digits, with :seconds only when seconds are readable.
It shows 12:39:45
